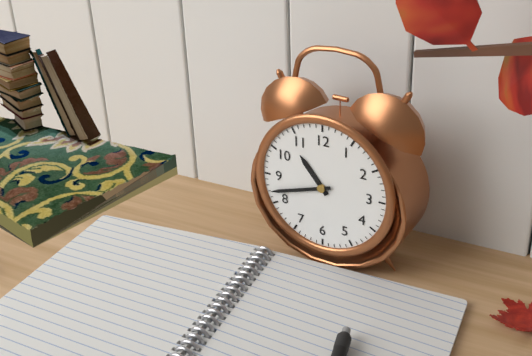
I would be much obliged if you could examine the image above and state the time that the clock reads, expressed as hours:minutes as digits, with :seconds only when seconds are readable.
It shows 10:42
